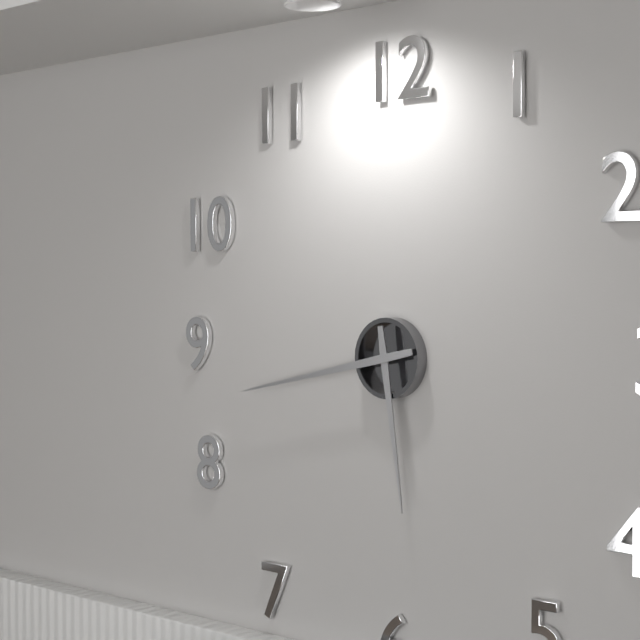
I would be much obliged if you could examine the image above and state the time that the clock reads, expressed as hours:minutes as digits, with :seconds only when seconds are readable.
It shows 5:43
